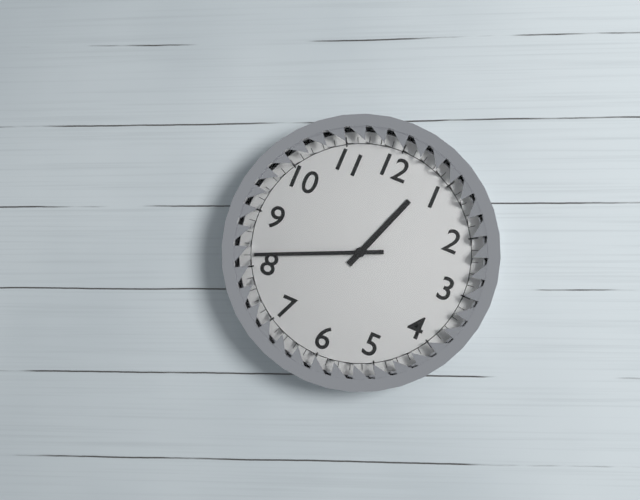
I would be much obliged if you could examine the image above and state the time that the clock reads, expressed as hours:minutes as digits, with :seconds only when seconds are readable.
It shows 12:41
